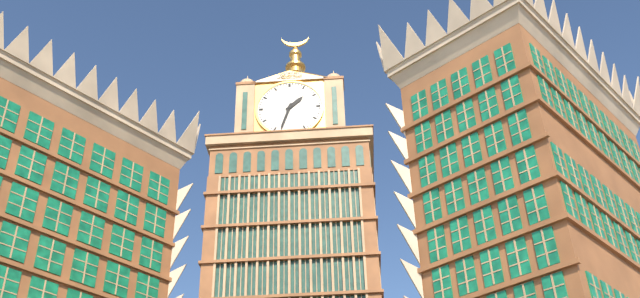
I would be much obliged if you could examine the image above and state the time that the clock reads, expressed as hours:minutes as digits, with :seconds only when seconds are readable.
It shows 1:33
